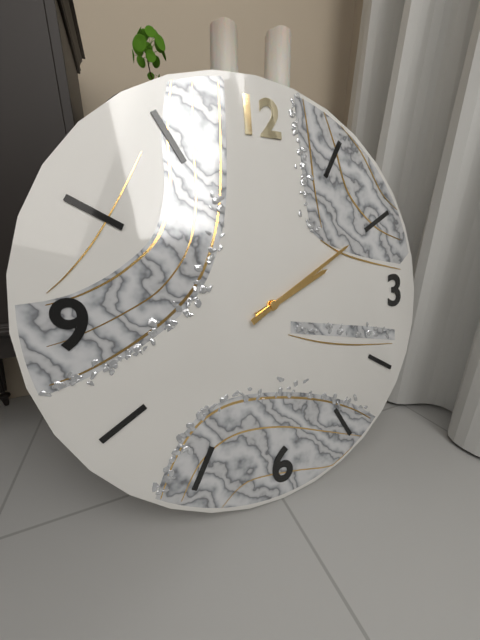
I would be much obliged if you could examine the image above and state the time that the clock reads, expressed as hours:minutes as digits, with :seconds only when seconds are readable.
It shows 2:10
